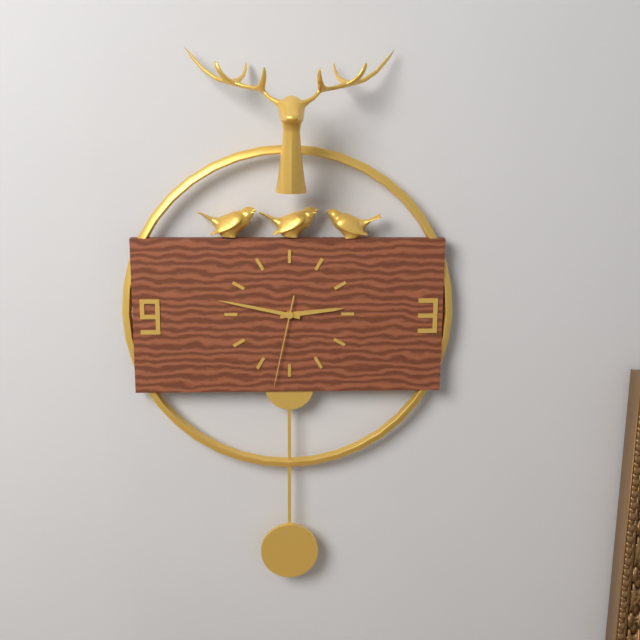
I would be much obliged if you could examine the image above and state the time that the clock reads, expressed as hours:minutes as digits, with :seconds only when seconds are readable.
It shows 2:47:32
